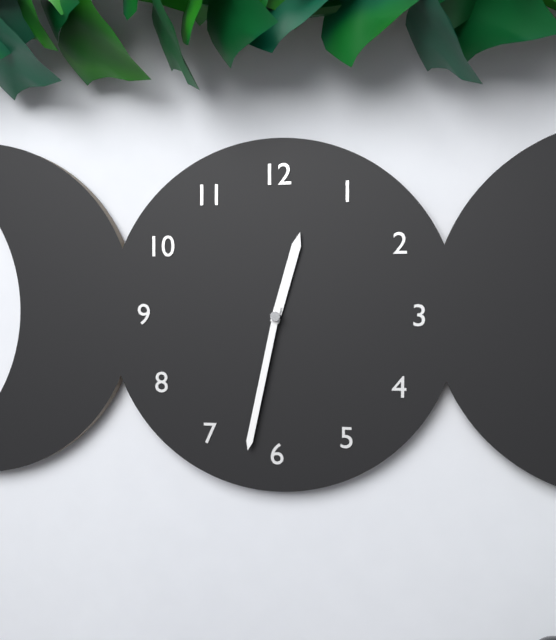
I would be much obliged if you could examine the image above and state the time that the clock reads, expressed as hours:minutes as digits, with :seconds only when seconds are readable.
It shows 12:32
